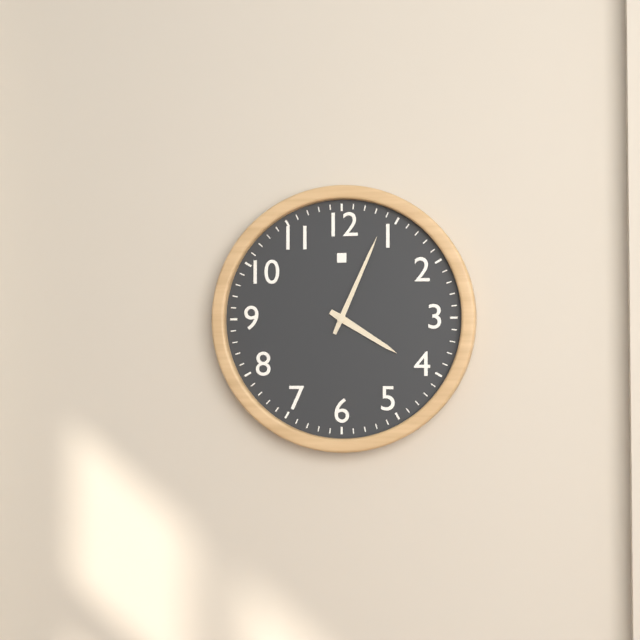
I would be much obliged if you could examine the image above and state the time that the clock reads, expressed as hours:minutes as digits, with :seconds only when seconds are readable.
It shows 4:04
